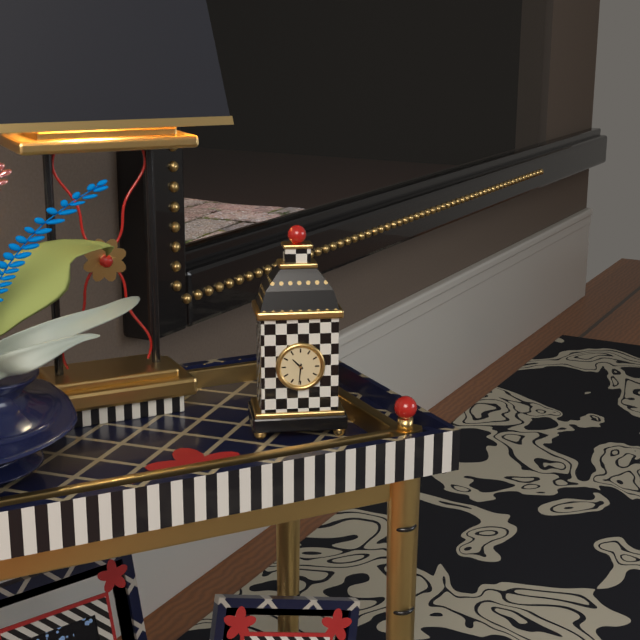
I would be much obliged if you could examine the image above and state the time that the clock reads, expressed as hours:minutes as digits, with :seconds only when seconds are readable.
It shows 10:31
